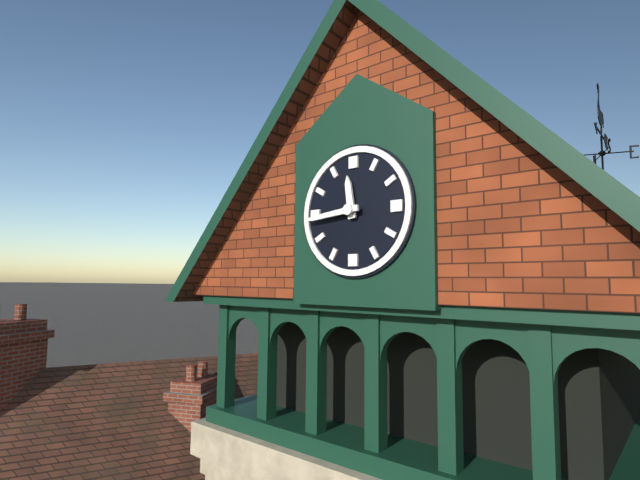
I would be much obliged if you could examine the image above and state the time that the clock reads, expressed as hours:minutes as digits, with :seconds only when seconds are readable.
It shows 11:44
